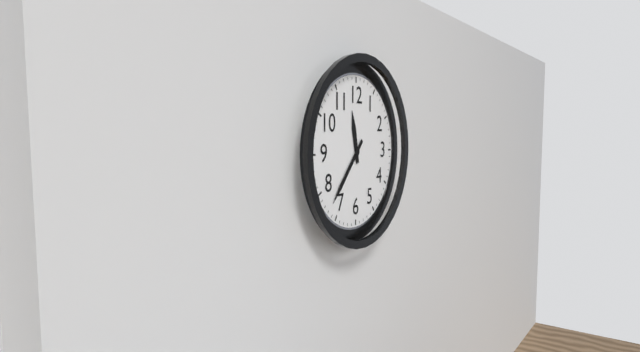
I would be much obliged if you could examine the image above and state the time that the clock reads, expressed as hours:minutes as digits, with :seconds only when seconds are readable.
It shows 11:37
